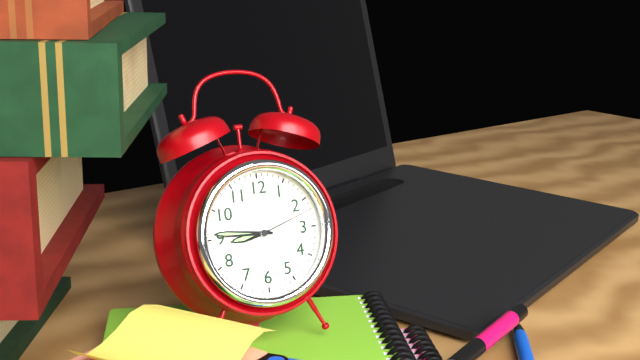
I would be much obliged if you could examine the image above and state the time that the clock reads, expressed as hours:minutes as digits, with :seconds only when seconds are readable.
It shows 8:46:12
